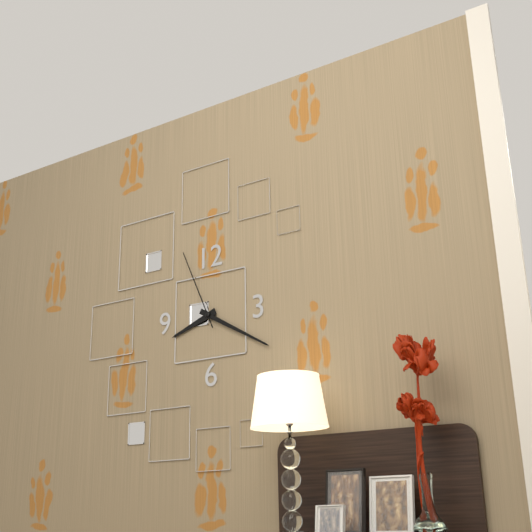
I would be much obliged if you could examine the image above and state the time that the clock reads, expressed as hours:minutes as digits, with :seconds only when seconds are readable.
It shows 8:20:56
